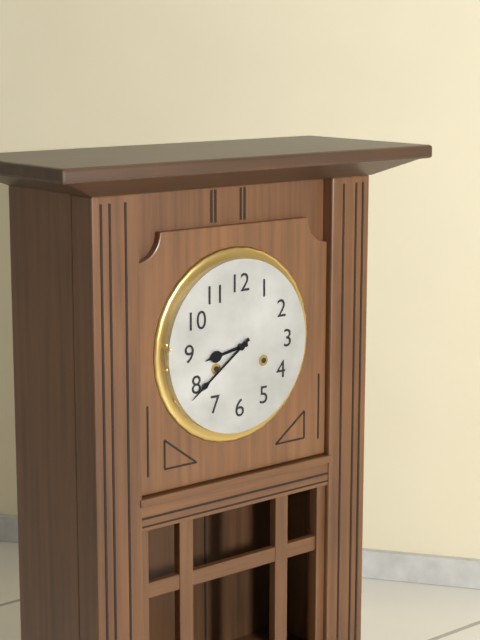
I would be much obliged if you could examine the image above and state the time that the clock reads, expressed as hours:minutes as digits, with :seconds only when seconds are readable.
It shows 8:39
